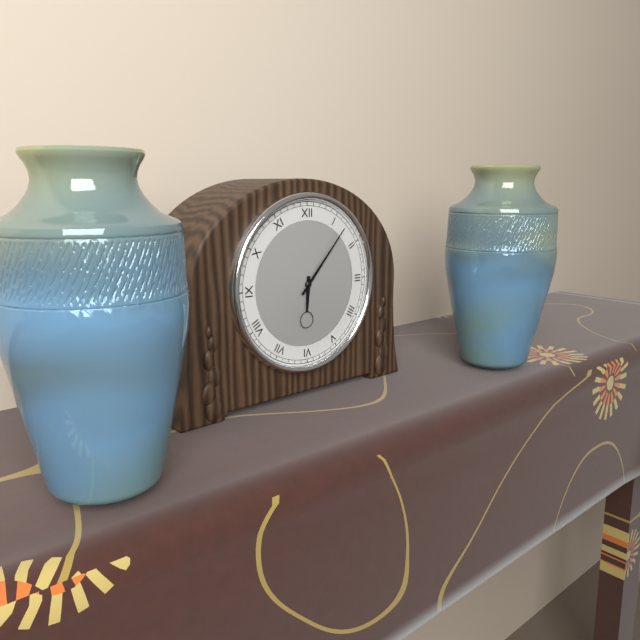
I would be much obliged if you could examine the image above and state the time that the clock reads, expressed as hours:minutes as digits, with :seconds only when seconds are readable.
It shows 6:07
